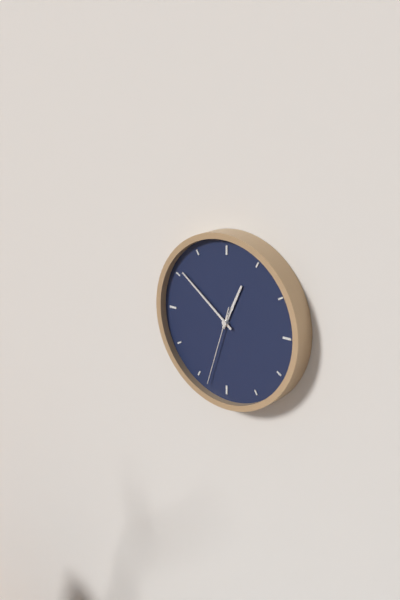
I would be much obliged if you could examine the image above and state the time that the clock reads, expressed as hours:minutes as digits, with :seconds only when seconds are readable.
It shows 12:51:33
